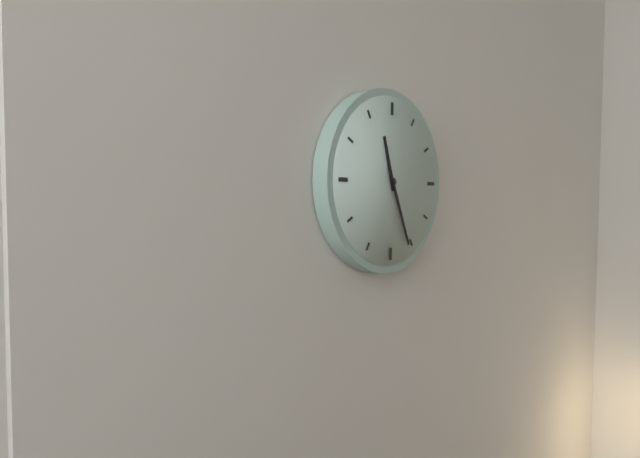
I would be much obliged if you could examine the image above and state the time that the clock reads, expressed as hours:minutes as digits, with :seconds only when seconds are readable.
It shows 11:26
